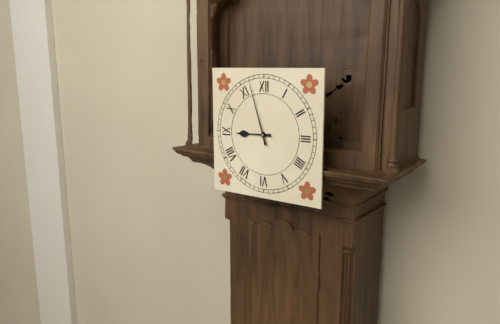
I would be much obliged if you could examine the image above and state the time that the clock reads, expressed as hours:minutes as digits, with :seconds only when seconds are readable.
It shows 8:57
